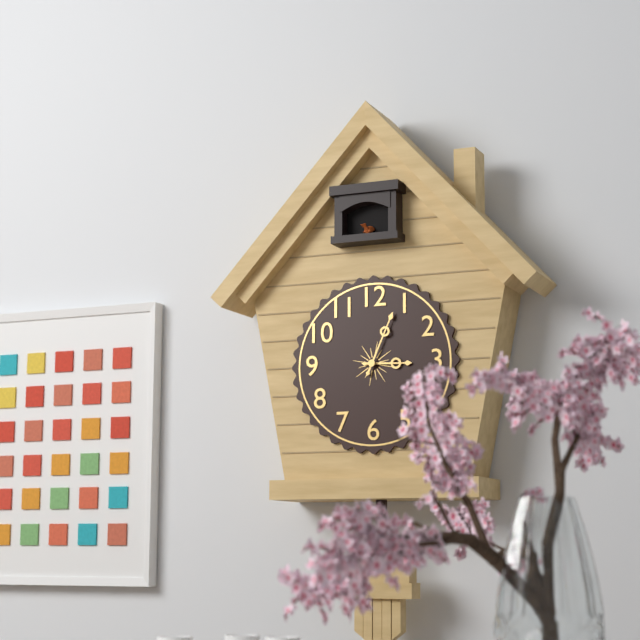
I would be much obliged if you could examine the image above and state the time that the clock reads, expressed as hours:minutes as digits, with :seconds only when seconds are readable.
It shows 3:04
